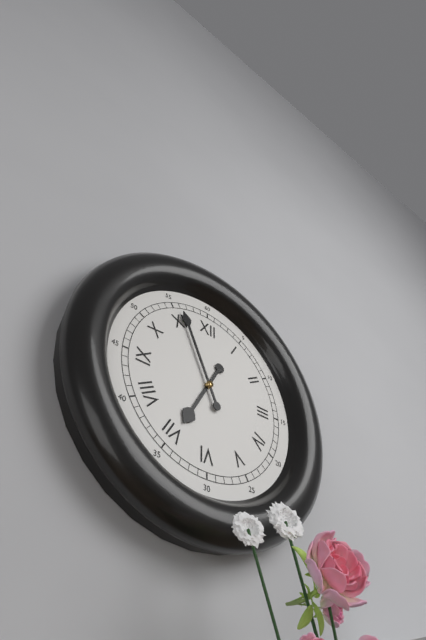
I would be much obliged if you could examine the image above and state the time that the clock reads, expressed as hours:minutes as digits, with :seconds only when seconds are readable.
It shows 6:56
